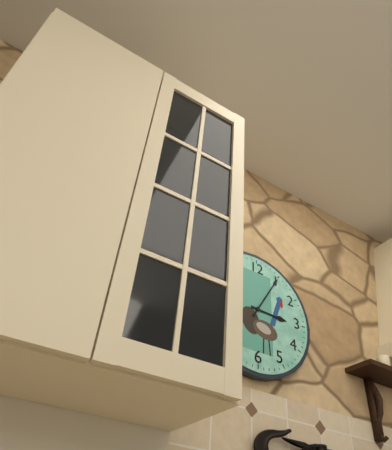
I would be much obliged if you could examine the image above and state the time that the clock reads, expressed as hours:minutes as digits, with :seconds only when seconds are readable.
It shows 3:05
